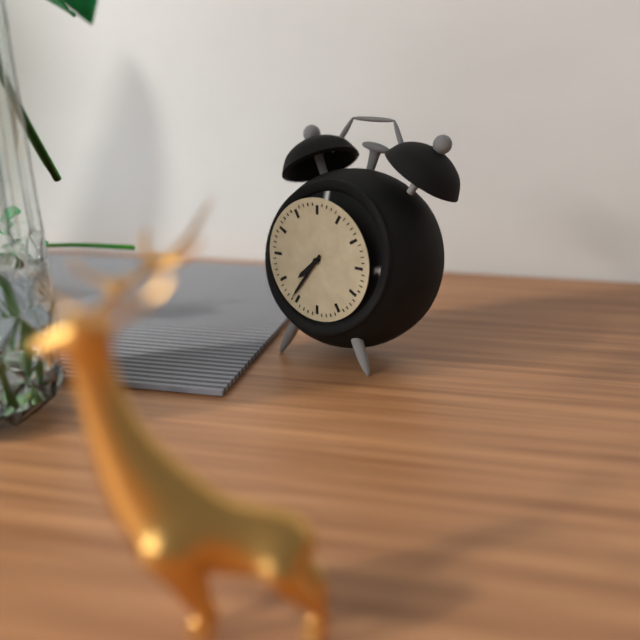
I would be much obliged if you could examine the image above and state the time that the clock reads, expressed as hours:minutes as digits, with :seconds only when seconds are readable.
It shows 7:36
